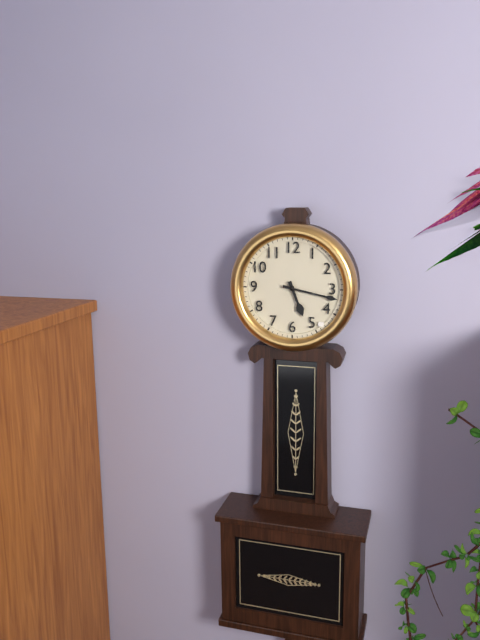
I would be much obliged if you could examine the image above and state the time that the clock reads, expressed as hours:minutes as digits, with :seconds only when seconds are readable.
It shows 5:17
